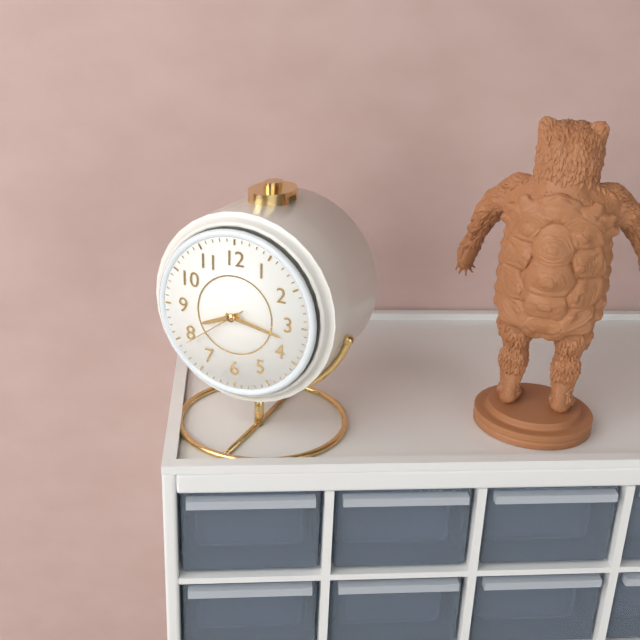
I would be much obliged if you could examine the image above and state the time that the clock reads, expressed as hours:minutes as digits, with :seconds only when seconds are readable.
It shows 8:17:39
